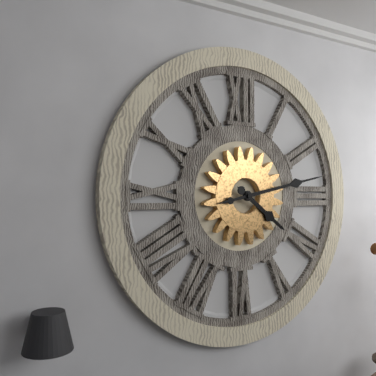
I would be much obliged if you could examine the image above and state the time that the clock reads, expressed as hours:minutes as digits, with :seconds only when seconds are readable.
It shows 4:13
